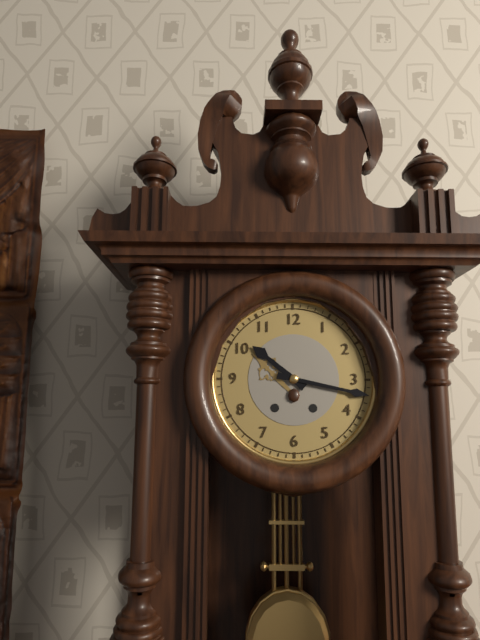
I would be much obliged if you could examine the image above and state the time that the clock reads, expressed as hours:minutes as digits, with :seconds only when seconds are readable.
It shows 10:17
